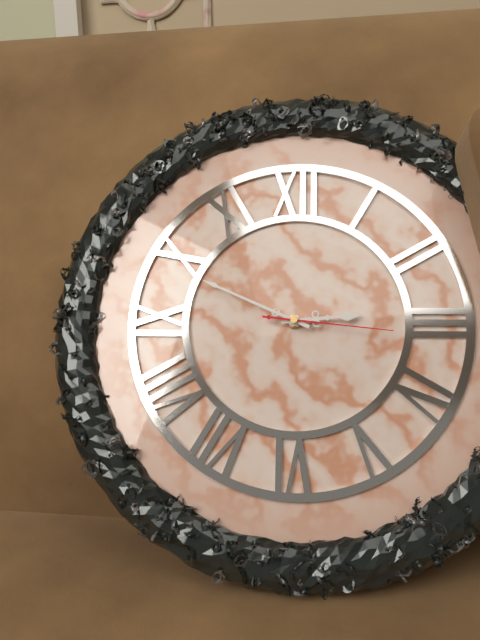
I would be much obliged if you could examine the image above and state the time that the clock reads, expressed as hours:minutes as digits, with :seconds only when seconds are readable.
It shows 2:49:16
